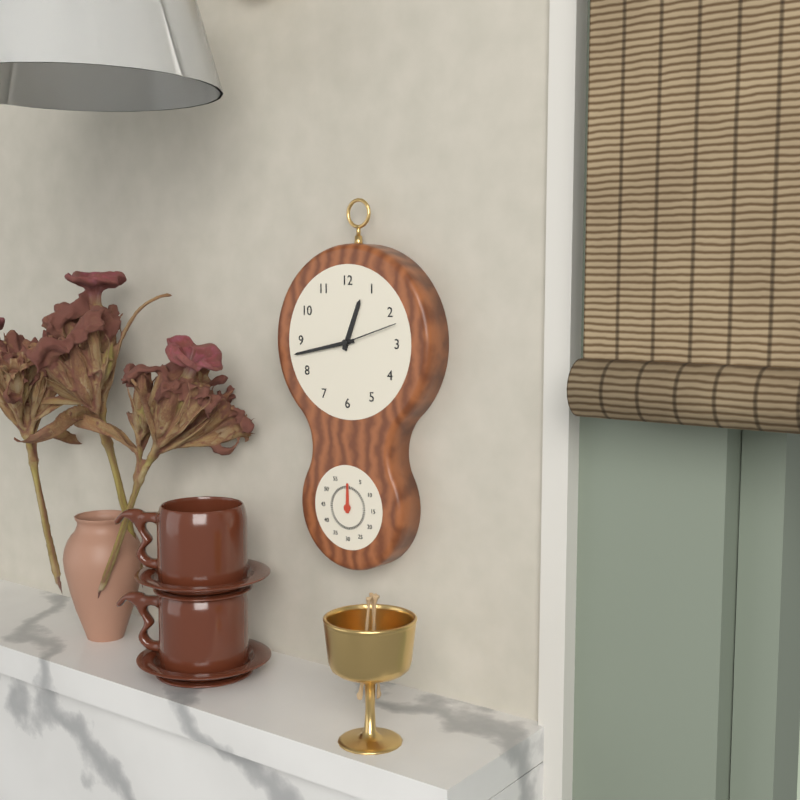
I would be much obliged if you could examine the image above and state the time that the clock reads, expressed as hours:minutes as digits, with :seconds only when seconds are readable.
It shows 12:43:12
